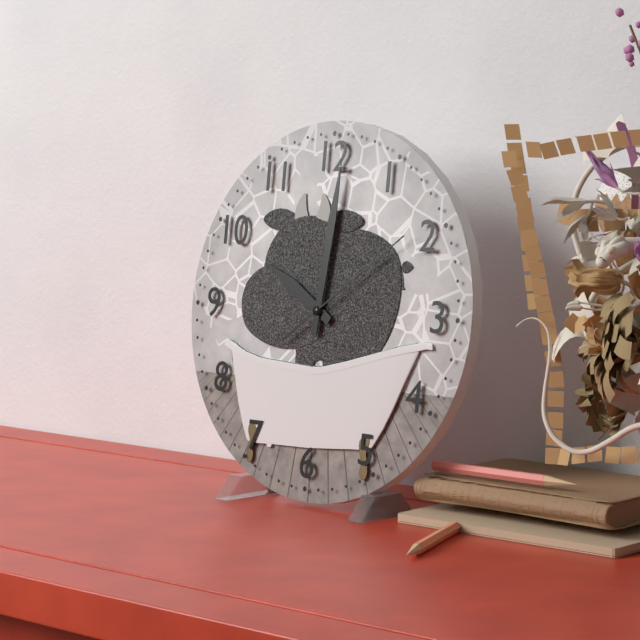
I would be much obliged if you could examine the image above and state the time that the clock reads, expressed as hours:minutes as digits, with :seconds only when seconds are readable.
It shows 10:01:09
